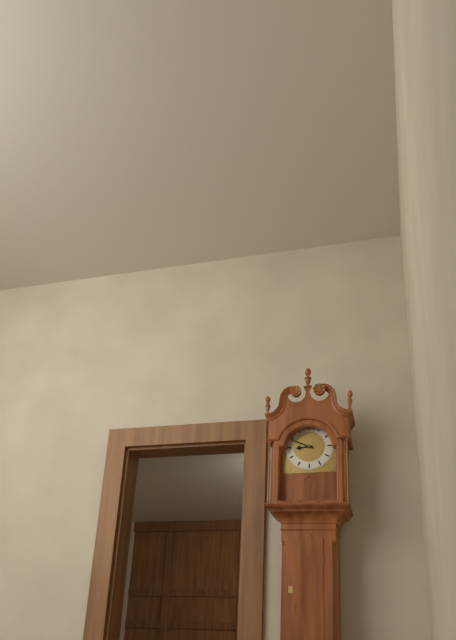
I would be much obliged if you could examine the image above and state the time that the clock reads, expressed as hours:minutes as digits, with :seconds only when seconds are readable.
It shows 8:49
